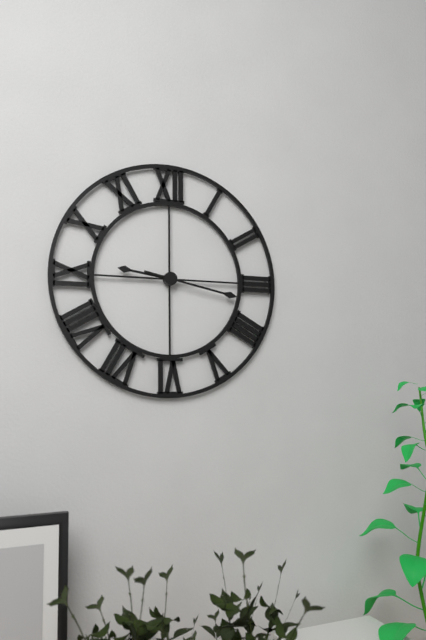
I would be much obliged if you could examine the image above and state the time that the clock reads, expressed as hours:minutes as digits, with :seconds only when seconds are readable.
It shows 9:17
